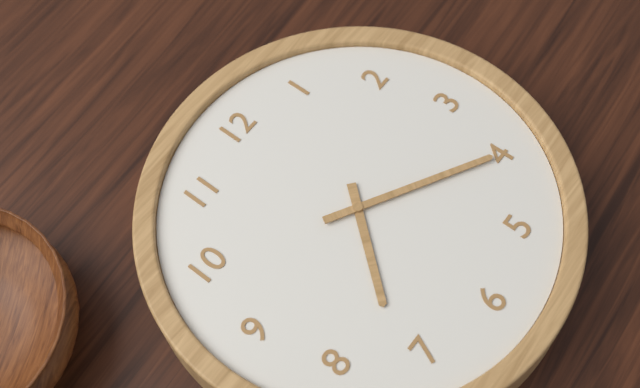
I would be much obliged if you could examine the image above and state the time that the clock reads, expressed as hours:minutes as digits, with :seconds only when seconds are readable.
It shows 7:20
